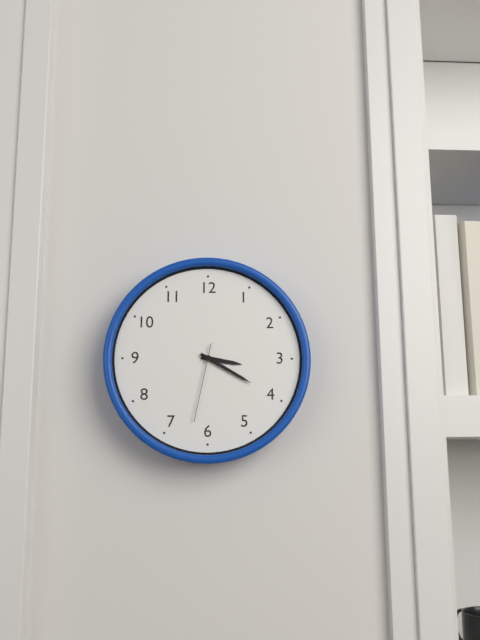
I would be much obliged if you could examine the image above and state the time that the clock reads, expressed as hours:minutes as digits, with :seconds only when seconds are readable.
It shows 3:20:32
